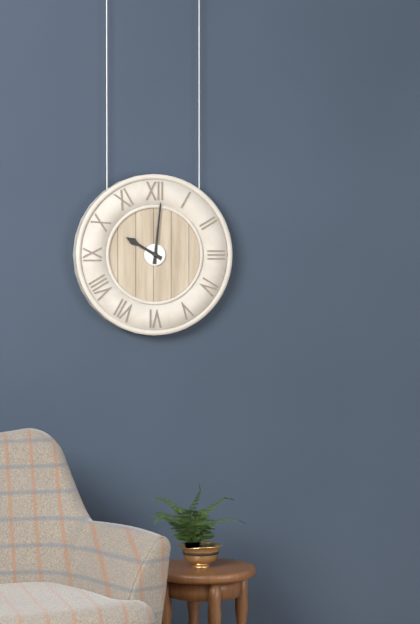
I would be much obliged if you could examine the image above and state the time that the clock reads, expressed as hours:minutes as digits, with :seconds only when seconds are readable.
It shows 10:01
